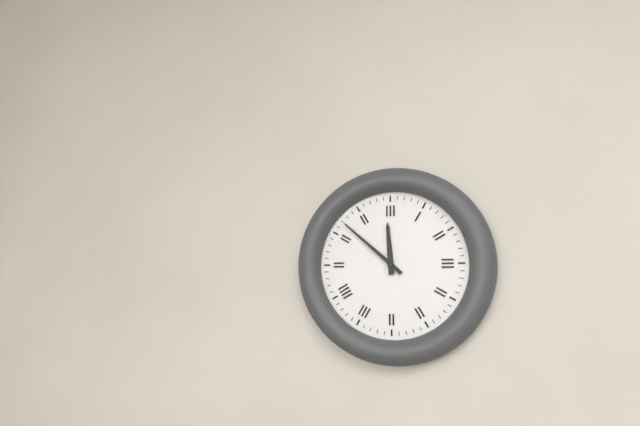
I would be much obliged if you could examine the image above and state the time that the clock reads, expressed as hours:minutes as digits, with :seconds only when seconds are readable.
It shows 11:52
